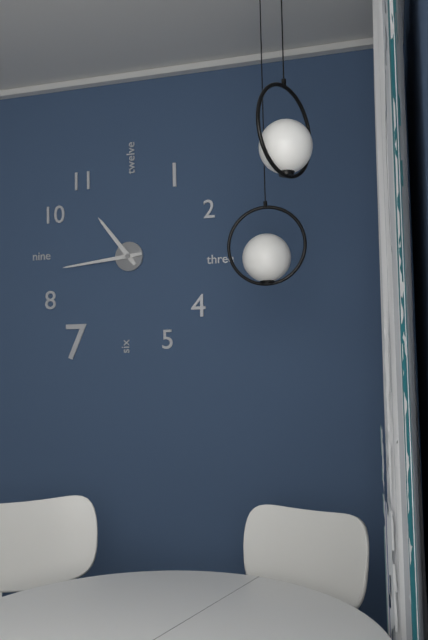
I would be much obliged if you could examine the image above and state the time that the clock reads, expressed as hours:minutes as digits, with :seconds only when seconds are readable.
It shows 10:44
